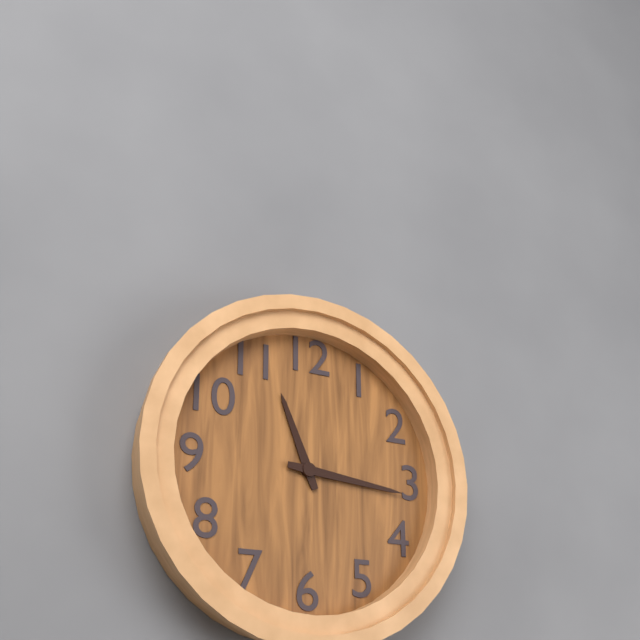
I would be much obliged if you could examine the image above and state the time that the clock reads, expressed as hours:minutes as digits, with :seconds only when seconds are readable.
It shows 11:16
